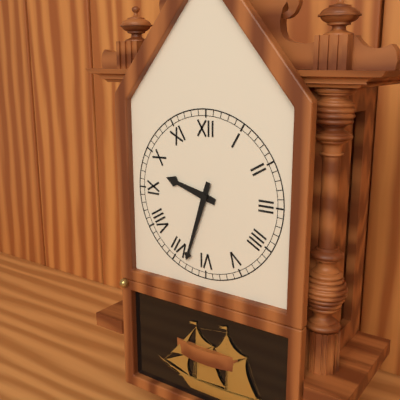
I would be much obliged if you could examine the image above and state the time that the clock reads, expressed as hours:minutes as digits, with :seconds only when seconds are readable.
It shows 9:33
